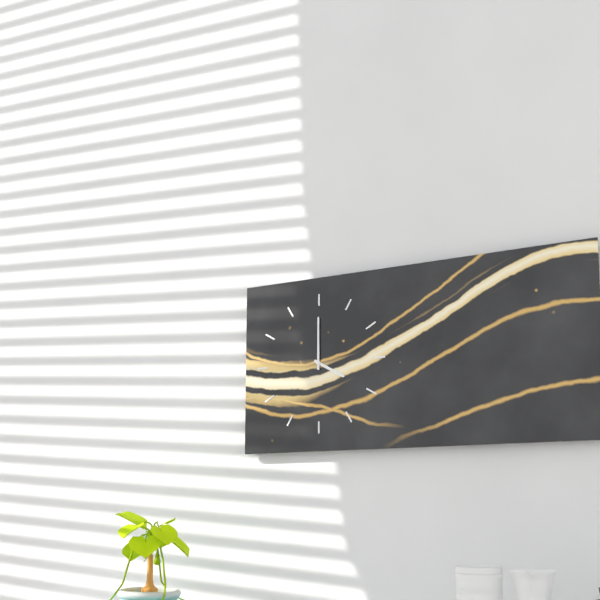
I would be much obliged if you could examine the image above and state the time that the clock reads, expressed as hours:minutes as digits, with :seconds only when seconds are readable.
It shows 4:00
